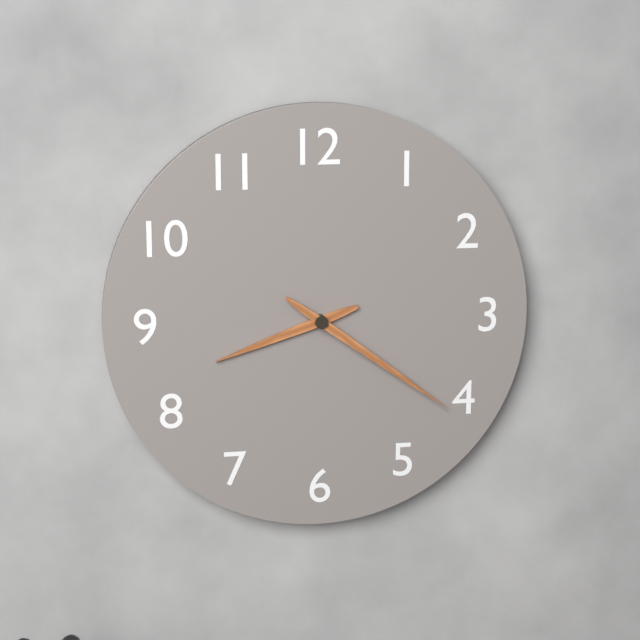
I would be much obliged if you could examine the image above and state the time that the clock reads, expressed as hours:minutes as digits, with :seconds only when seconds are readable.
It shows 8:21
